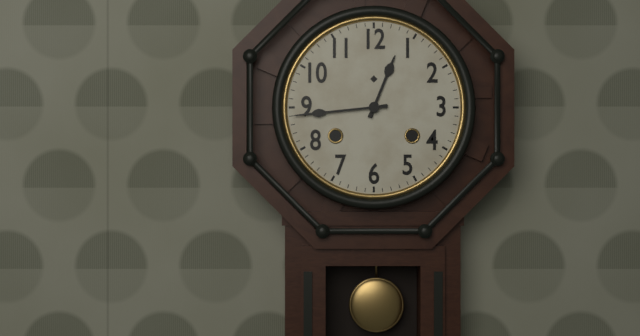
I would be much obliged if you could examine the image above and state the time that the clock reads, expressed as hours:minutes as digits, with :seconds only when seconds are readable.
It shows 12:44
